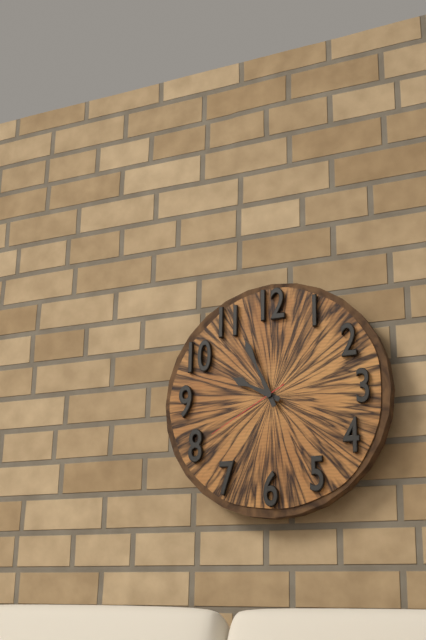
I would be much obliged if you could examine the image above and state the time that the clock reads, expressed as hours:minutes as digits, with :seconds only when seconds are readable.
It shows 9:56:40
